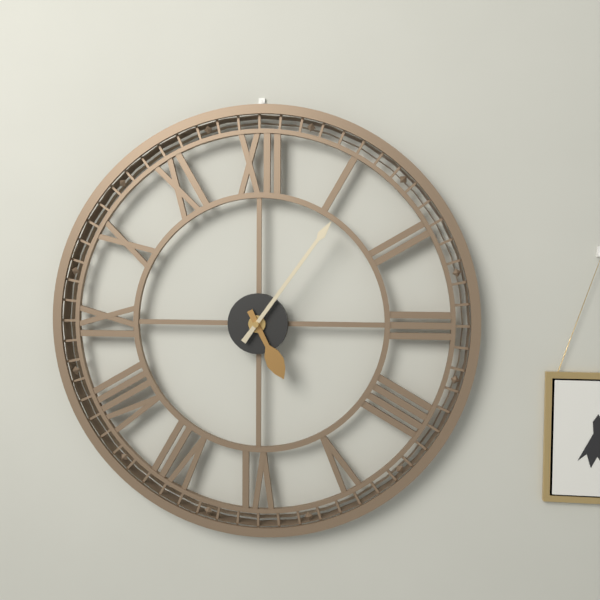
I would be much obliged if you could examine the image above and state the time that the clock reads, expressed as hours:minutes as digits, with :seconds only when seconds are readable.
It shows 5:06
